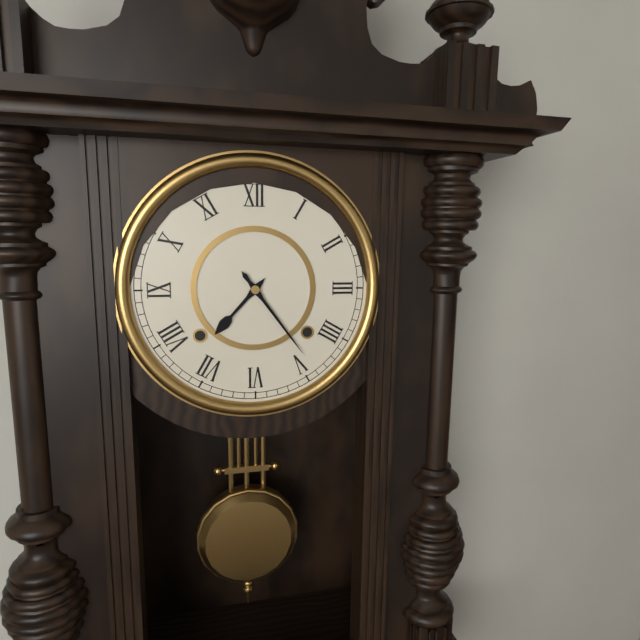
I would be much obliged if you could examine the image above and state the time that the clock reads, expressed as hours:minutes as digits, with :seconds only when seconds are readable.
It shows 7:24
